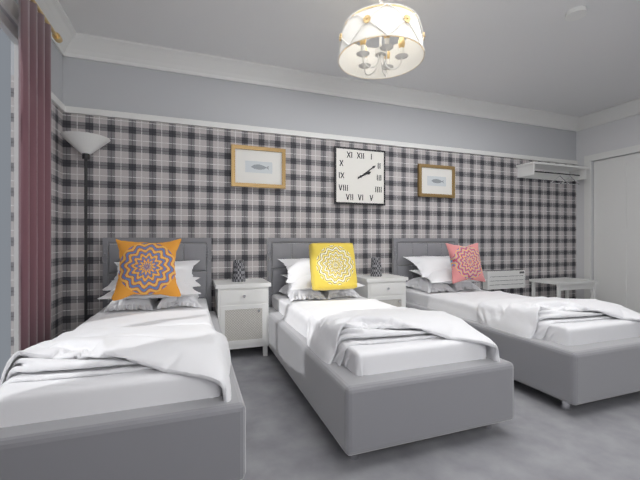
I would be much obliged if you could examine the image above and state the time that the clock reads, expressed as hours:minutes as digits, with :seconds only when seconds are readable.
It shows 2:09
